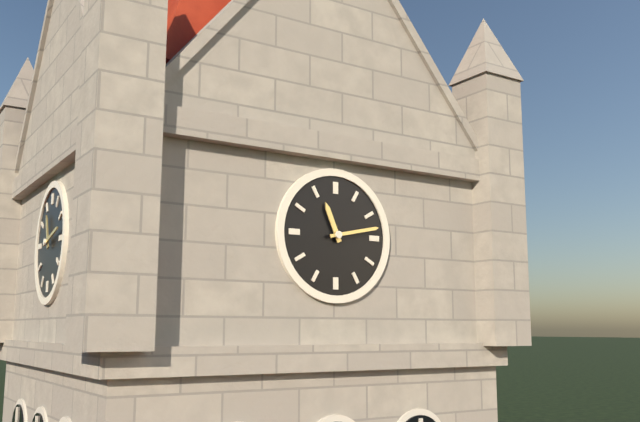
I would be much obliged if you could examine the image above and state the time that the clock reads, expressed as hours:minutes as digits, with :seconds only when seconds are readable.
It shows 11:13
